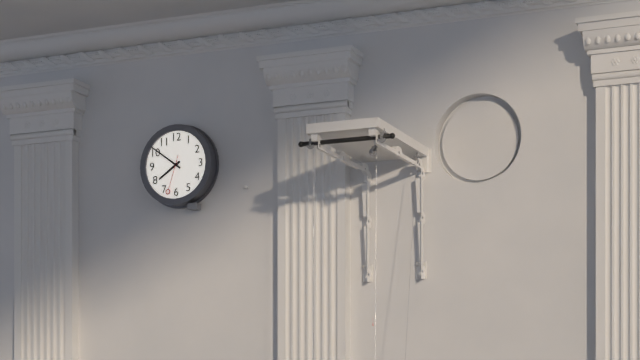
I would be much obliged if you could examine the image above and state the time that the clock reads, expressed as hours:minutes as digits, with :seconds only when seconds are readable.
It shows 7:51
